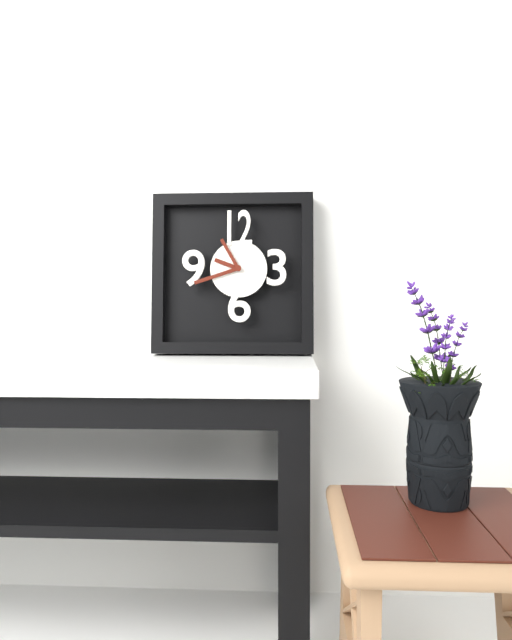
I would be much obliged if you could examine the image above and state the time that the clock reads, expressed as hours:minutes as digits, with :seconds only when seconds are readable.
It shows 9:42
